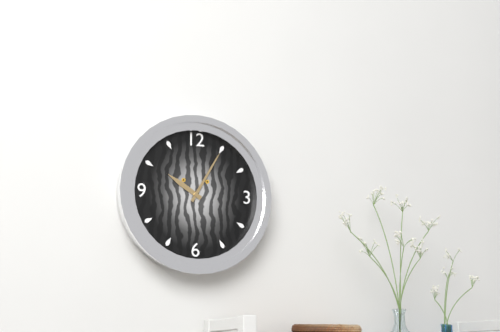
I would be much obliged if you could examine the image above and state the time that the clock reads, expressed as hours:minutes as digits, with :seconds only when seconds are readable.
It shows 10:05
